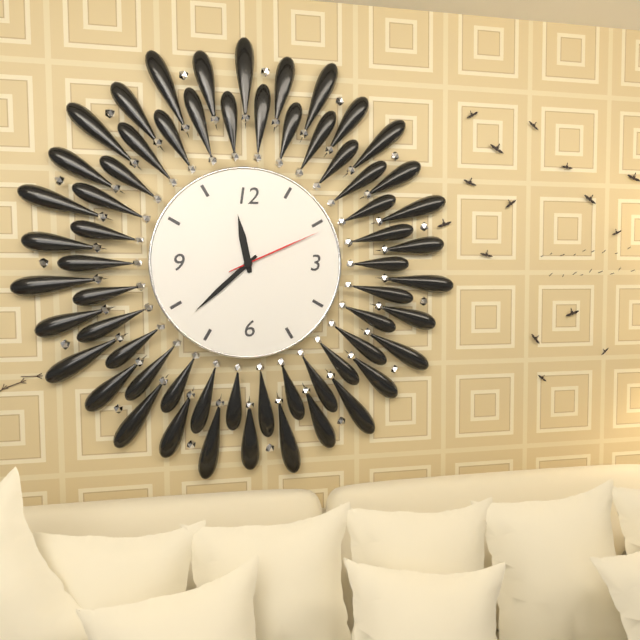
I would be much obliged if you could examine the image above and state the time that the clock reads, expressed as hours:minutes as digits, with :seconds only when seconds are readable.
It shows 11:38:11
